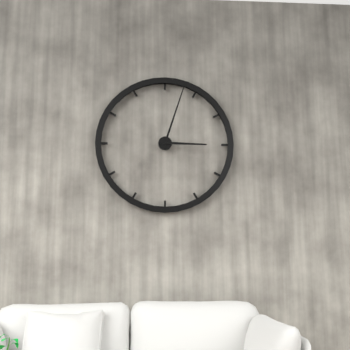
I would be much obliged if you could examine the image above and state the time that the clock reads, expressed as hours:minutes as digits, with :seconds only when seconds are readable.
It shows 3:03
